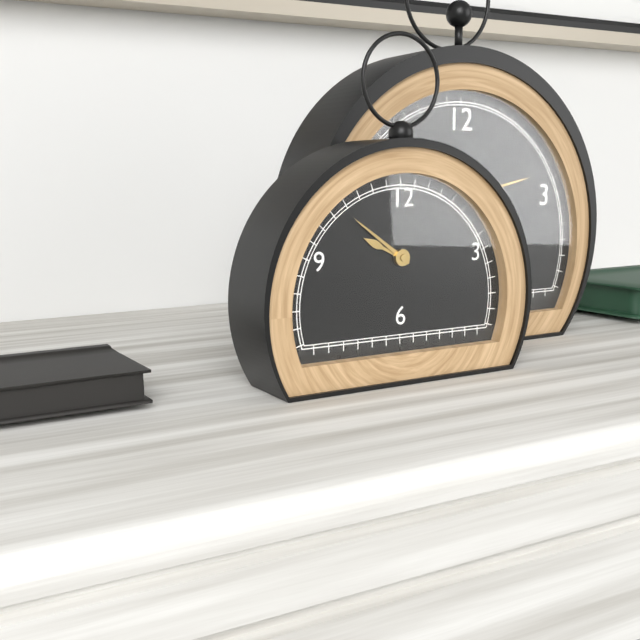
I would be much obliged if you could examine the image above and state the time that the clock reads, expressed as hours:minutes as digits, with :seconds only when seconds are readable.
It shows 9:51
